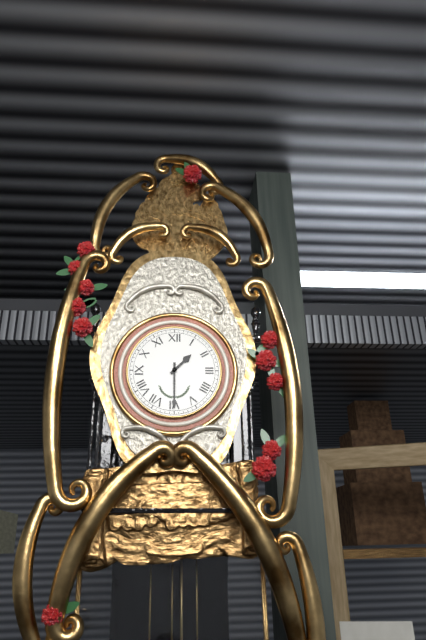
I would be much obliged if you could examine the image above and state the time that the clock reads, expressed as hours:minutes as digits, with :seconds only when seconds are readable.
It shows 1:30
